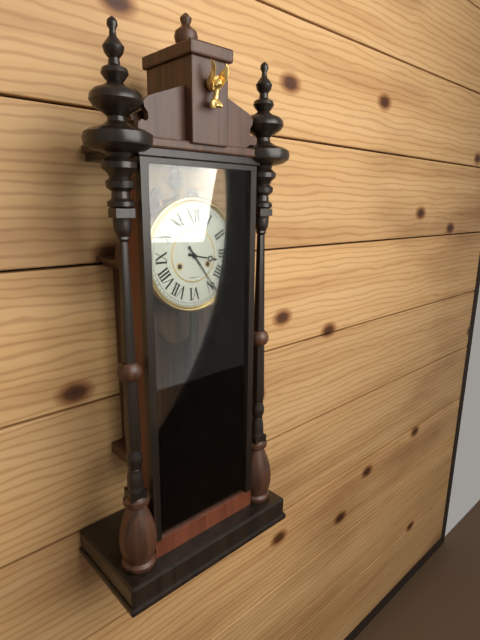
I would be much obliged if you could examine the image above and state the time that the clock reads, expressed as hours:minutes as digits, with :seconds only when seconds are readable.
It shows 3:24
